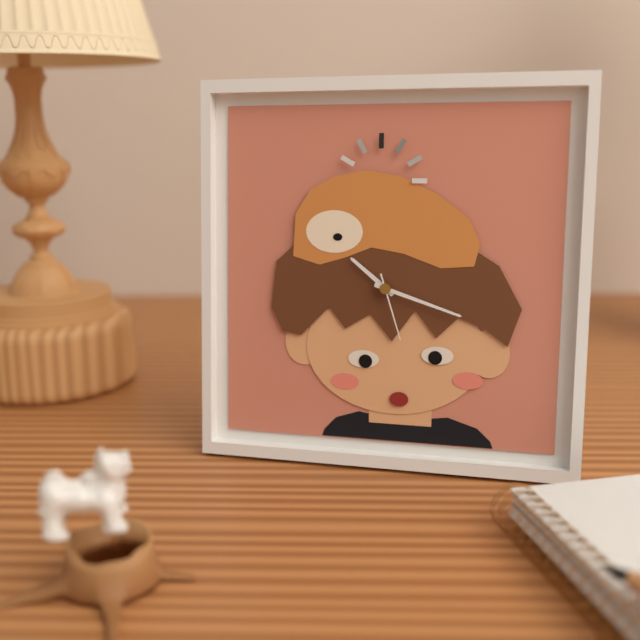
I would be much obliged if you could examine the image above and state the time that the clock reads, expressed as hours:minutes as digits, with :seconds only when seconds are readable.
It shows 10:18:27
